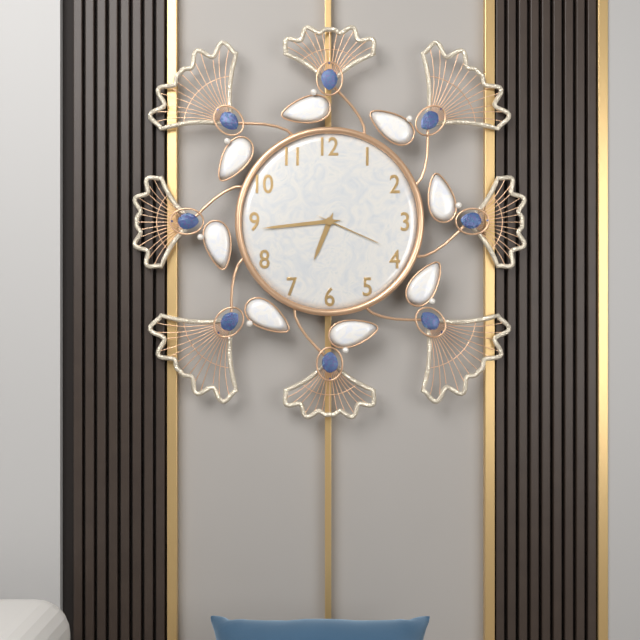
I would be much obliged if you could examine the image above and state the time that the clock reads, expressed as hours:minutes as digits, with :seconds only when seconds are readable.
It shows 6:44:19
